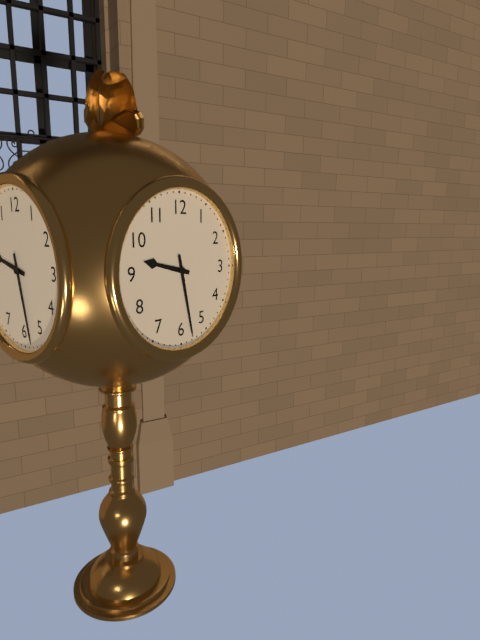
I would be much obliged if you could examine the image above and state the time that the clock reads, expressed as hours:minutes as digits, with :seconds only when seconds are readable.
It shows 9:28
